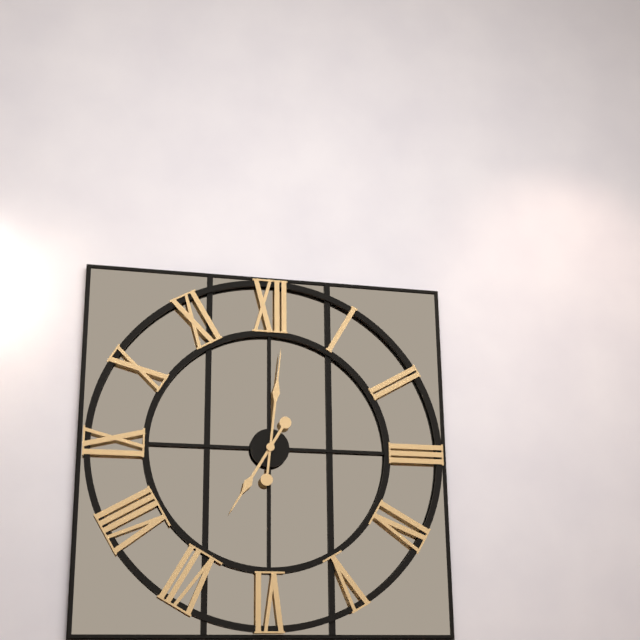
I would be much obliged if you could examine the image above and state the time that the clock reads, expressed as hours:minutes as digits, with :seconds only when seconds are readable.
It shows 7:01
